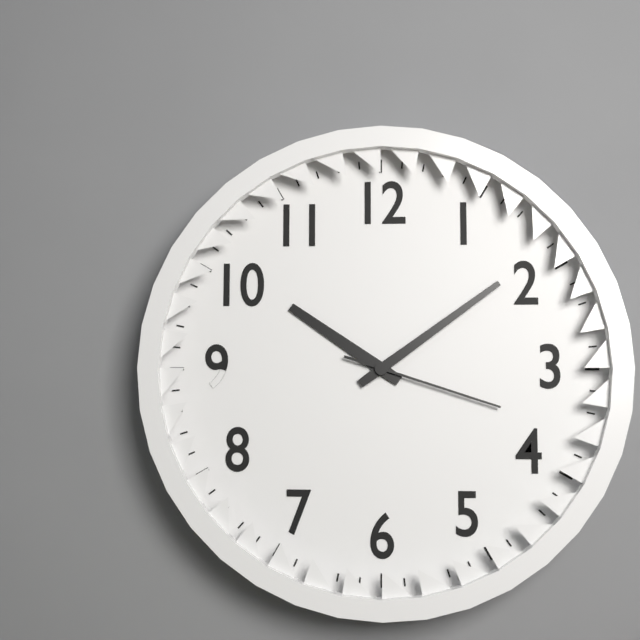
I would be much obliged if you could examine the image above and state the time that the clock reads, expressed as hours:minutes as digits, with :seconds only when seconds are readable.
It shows 10:09:18
